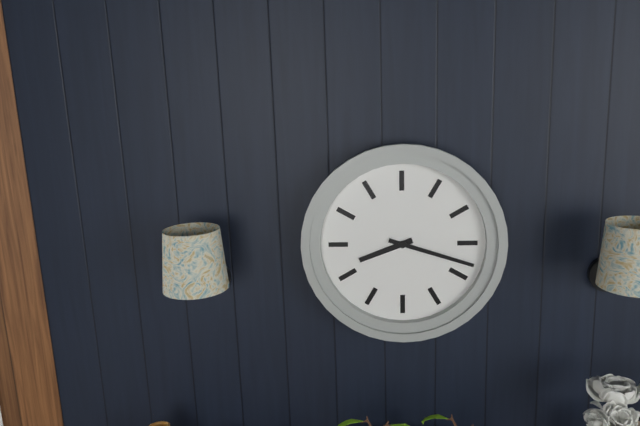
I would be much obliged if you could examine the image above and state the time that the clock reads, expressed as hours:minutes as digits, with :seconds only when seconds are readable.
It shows 8:18
